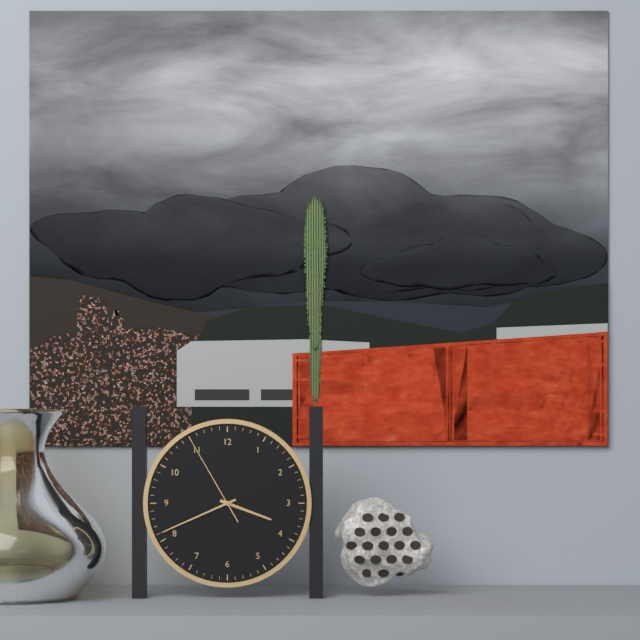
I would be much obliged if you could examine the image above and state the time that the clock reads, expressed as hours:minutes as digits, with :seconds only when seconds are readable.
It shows 3:41:55
